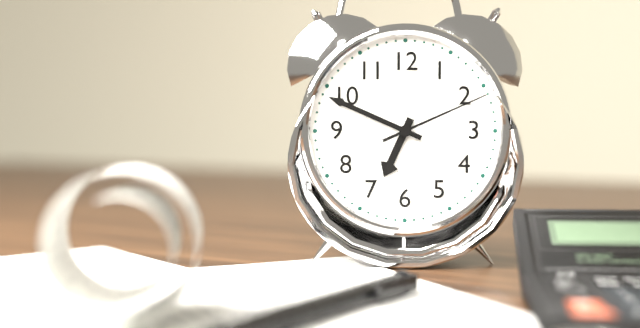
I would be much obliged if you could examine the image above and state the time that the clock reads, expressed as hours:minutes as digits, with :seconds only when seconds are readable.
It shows 6:49:11
